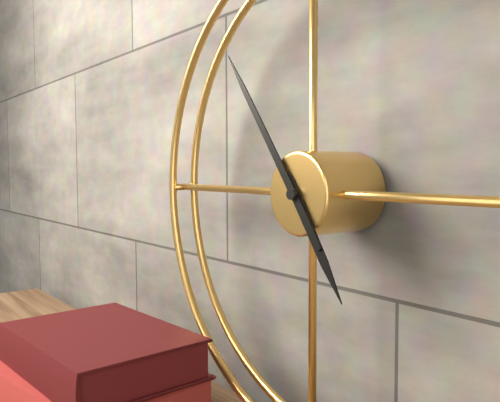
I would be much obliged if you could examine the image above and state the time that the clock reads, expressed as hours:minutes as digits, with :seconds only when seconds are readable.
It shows 4:54
